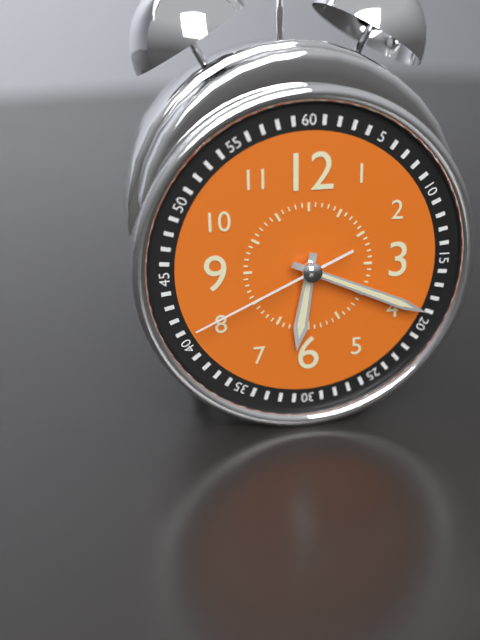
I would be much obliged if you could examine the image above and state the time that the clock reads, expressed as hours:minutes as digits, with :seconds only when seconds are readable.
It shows 6:19:41
